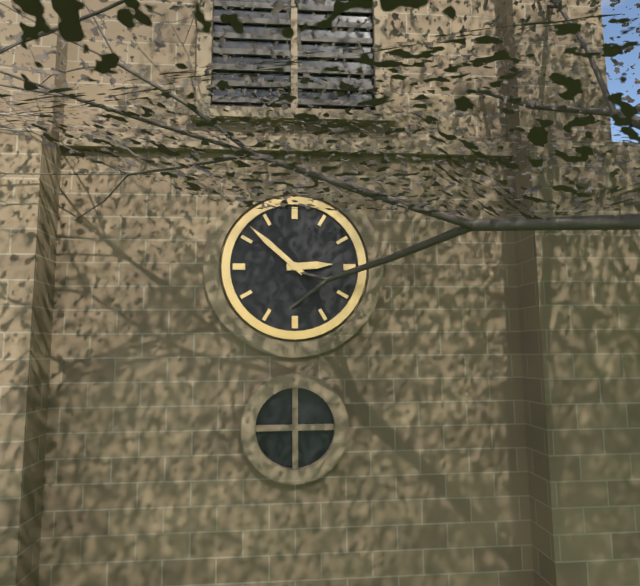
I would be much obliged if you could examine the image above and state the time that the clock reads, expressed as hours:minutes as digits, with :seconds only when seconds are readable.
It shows 2:52
